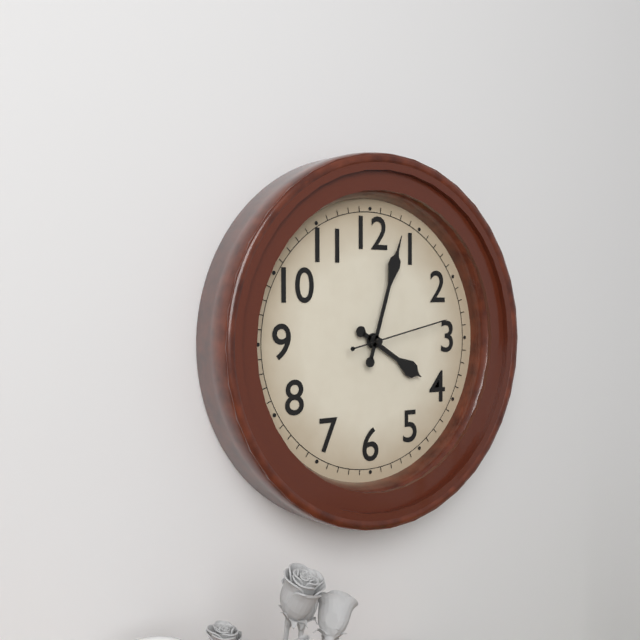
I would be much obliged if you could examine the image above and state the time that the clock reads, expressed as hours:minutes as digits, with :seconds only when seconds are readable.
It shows 4:03:13
